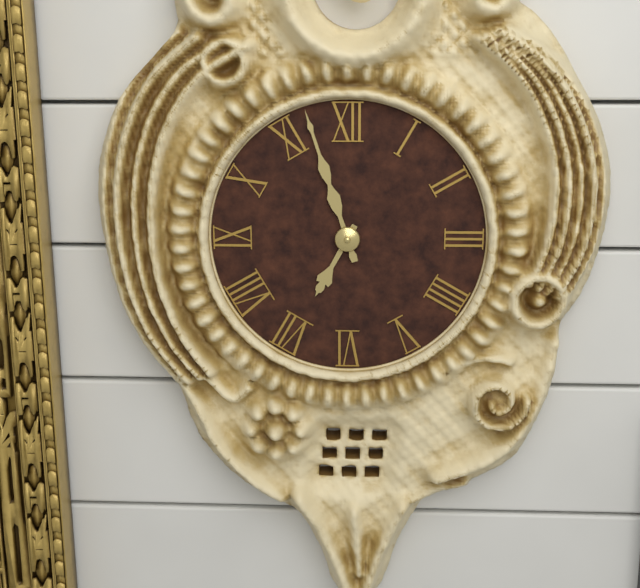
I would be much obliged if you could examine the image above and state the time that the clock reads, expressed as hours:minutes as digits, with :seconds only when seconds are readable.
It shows 6:57
